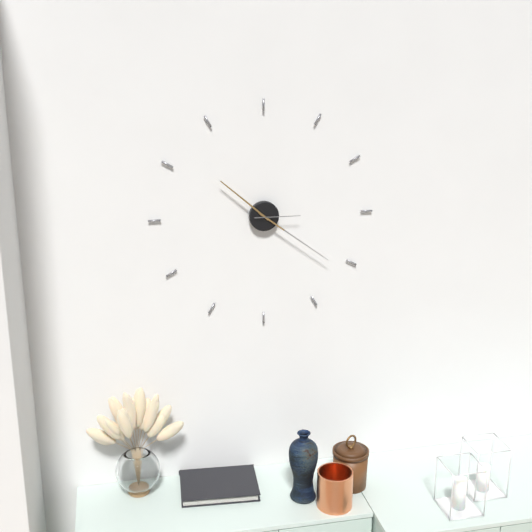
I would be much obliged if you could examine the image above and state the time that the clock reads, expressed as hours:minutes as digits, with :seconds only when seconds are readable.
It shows 10:21
